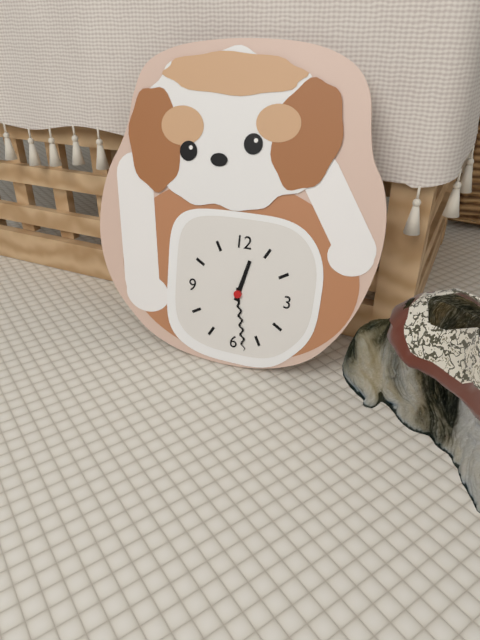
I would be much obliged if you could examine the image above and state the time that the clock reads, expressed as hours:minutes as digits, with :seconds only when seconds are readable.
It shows 12:28
